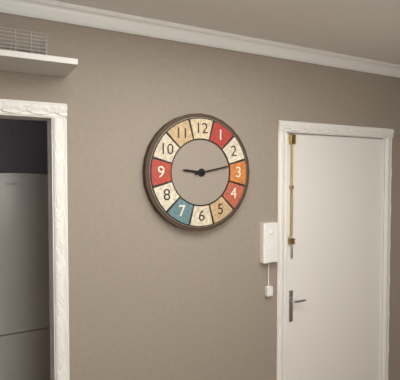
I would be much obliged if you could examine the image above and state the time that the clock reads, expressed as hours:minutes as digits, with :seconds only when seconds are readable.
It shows 9:13
